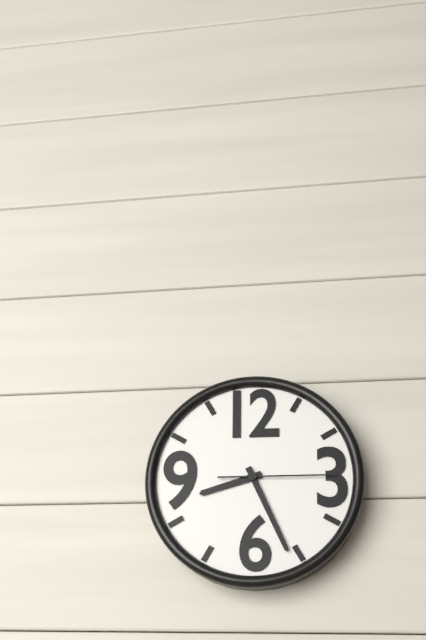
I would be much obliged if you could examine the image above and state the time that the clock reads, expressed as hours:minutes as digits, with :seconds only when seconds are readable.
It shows 8:26:15
